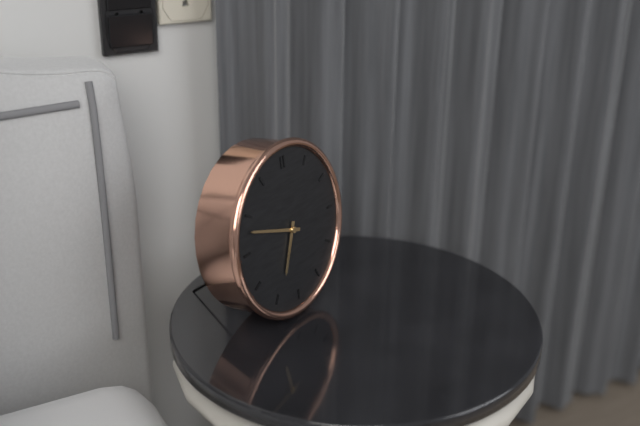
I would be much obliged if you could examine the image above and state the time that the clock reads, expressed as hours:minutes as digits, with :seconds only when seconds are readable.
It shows 6:48
